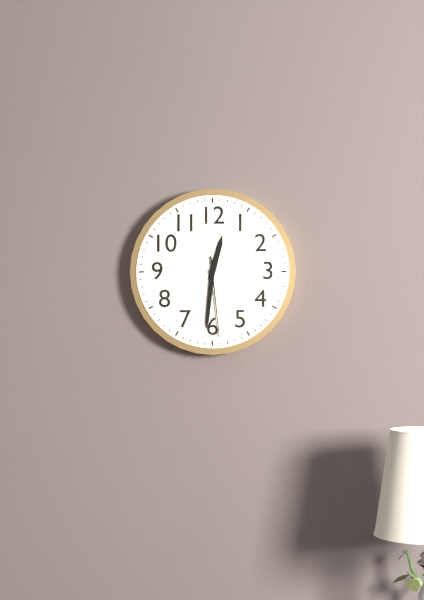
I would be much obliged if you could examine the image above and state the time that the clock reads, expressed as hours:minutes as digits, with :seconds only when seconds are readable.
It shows 12:31:29
